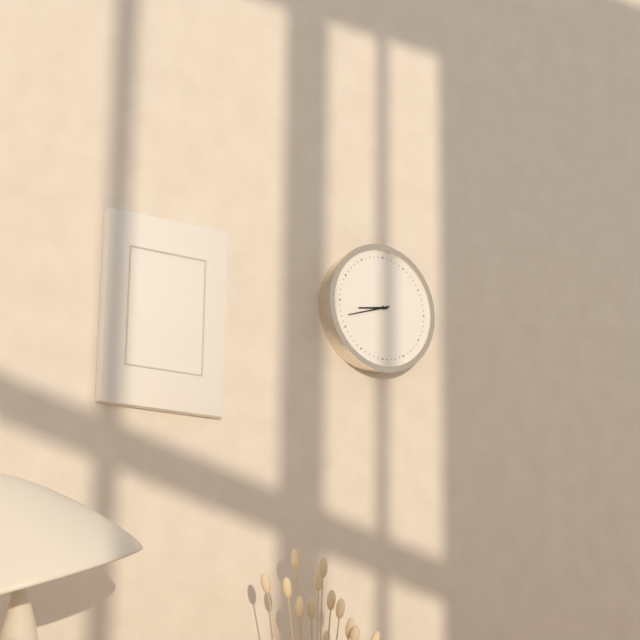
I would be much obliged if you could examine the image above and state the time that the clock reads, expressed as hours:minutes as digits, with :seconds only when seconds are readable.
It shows 8:42
